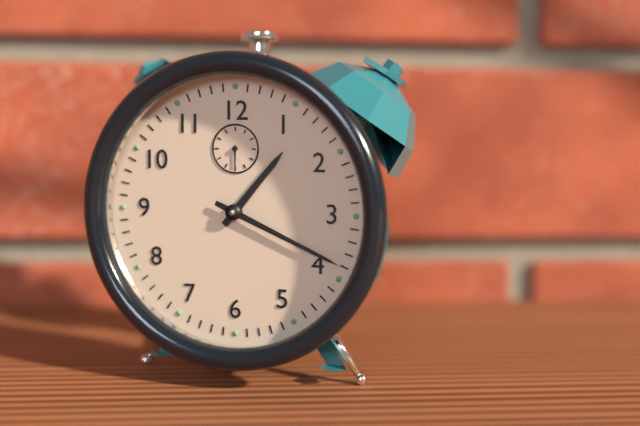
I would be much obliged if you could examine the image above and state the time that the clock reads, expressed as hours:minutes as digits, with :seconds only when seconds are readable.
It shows 1:19
